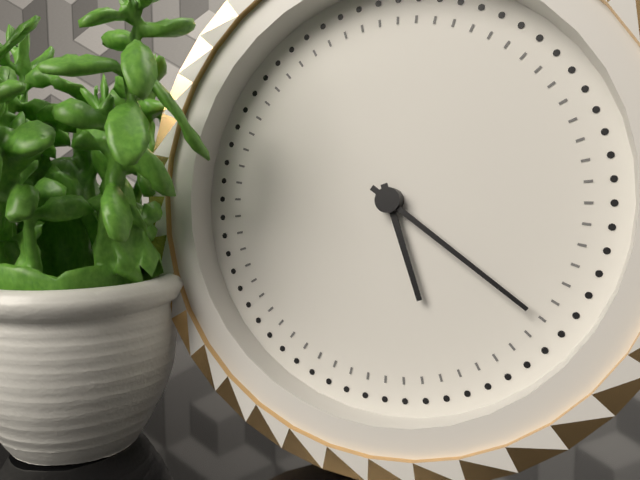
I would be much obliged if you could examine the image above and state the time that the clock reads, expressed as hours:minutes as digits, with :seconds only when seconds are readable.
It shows 5:21
